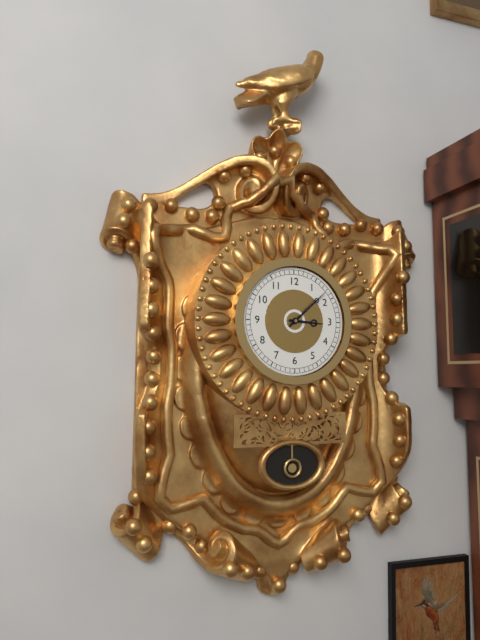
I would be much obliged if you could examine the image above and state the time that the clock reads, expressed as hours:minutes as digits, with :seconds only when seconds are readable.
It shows 3:08
